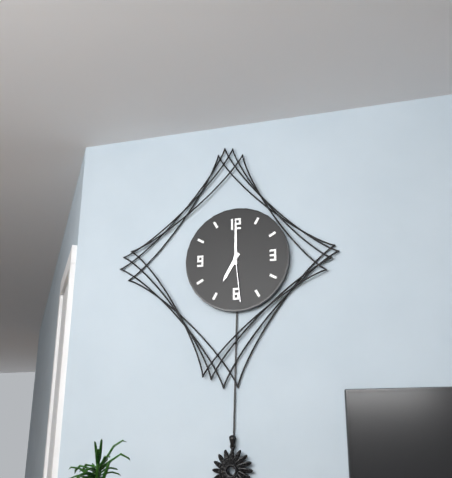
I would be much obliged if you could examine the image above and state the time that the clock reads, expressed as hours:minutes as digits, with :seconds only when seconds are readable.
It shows 7:00:29
